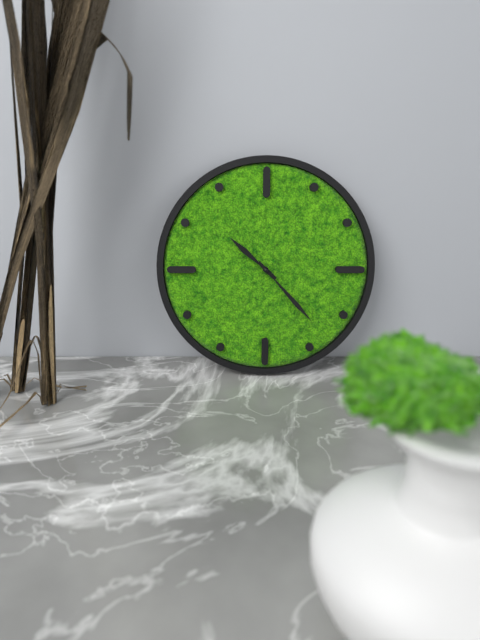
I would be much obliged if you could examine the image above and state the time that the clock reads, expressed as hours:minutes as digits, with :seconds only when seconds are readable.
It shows 10:23
